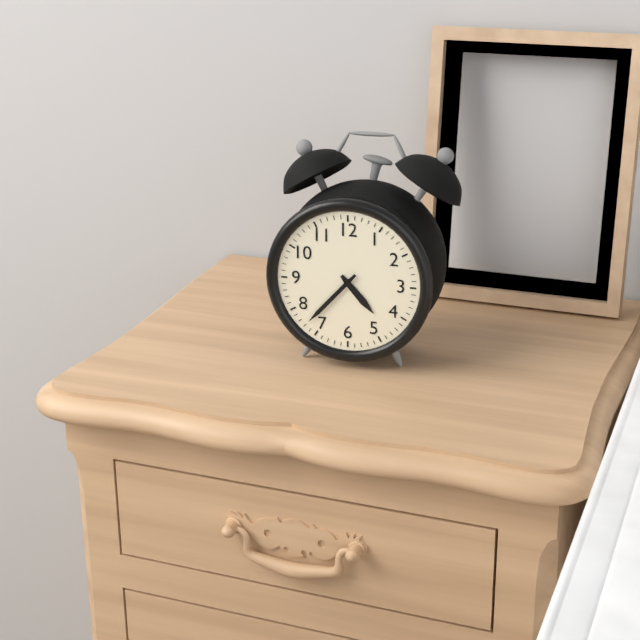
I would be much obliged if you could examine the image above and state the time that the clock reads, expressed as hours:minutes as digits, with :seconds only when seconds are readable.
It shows 4:37
